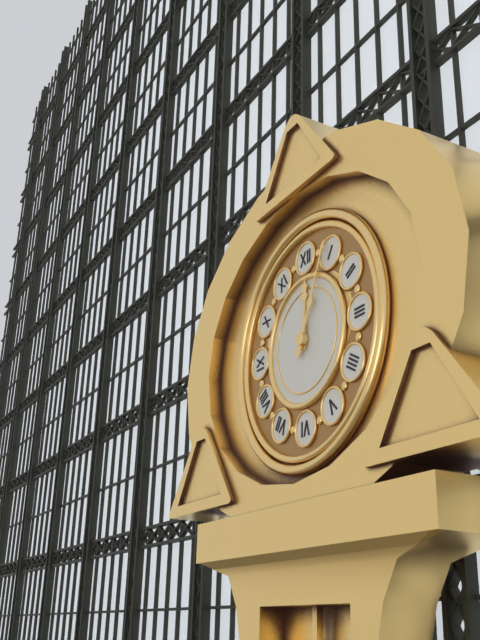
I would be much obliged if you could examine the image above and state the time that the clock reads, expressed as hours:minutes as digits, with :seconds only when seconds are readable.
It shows 12:04
